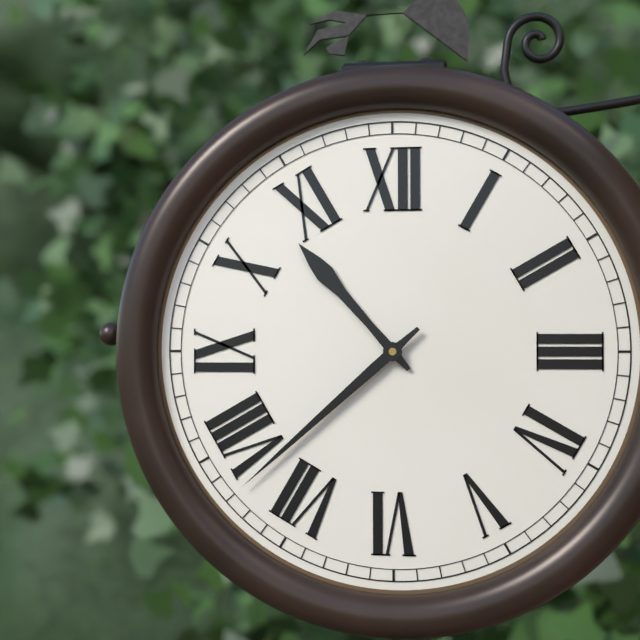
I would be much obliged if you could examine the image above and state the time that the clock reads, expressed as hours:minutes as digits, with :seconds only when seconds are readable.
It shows 10:38
